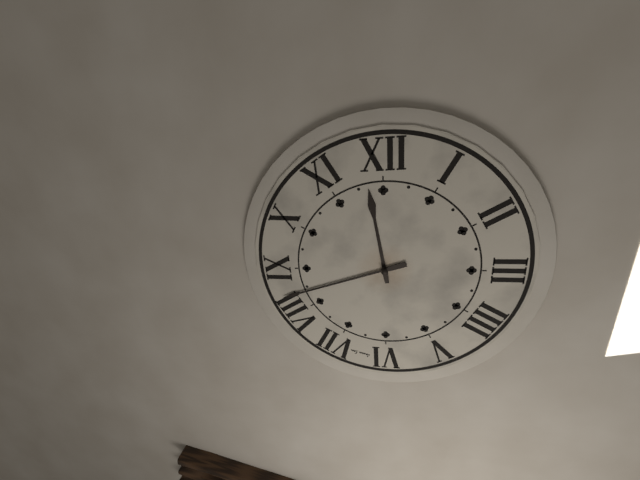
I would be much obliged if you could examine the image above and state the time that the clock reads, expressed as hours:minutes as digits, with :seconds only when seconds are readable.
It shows 11:42
